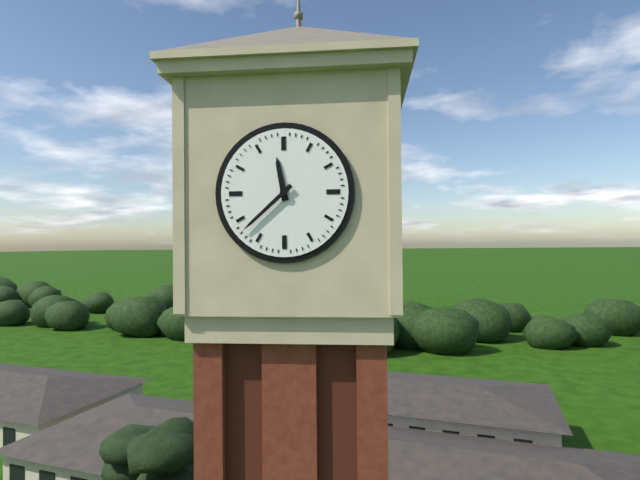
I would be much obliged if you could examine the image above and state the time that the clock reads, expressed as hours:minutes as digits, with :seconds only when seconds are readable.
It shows 11:38
